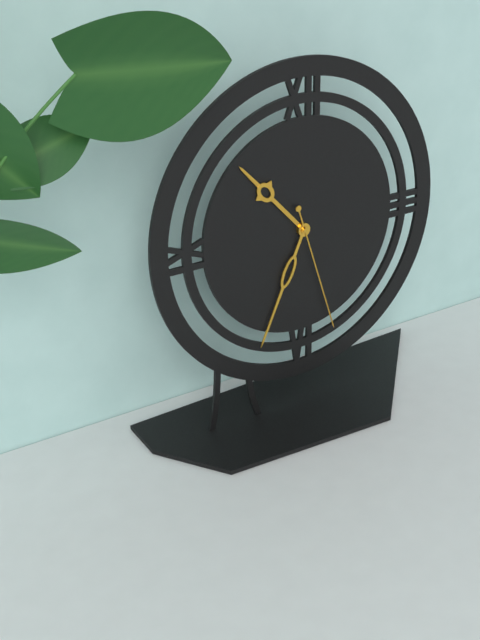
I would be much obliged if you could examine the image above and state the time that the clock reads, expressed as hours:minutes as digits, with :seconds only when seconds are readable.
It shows 10:34:27
